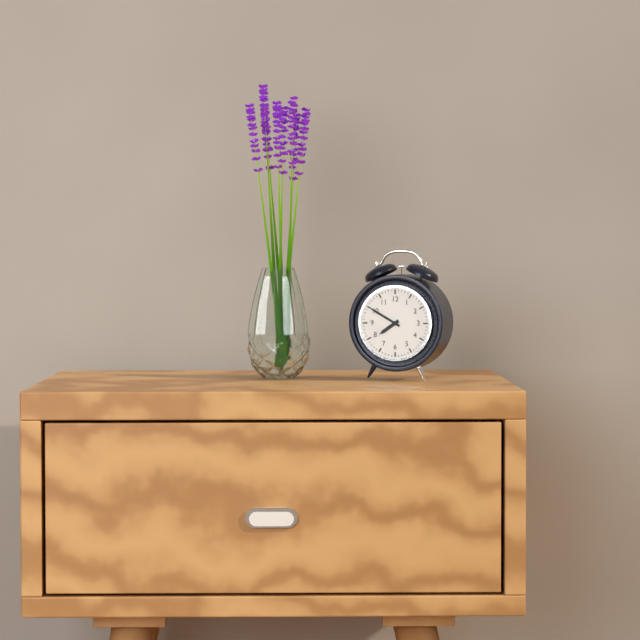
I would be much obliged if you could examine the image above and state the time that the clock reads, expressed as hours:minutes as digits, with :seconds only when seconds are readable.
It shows 7:50
